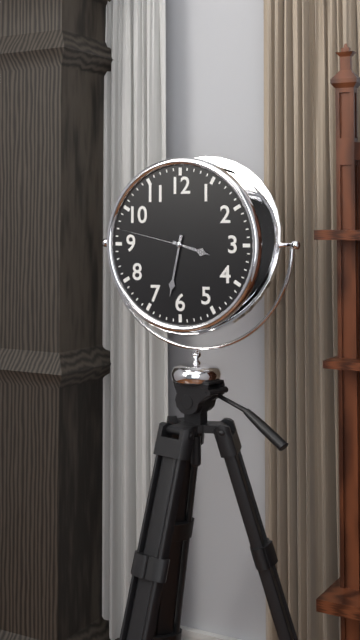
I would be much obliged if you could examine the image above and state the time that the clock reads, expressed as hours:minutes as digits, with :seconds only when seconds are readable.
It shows 3:32:47
